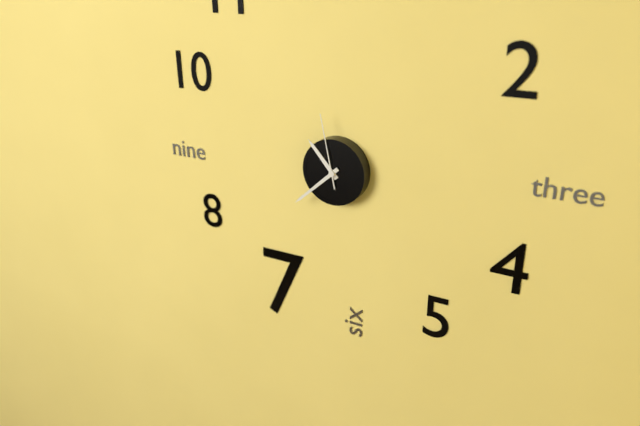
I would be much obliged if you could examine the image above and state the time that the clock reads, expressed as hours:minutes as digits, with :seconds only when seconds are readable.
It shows 10:38:58
